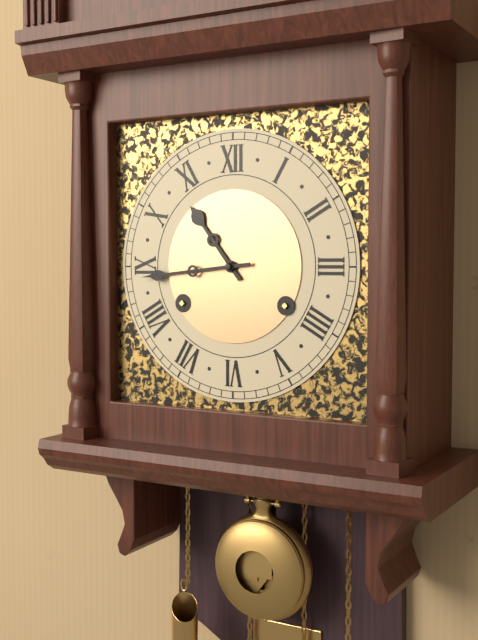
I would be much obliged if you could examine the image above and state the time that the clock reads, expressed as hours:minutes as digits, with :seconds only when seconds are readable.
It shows 10:44
